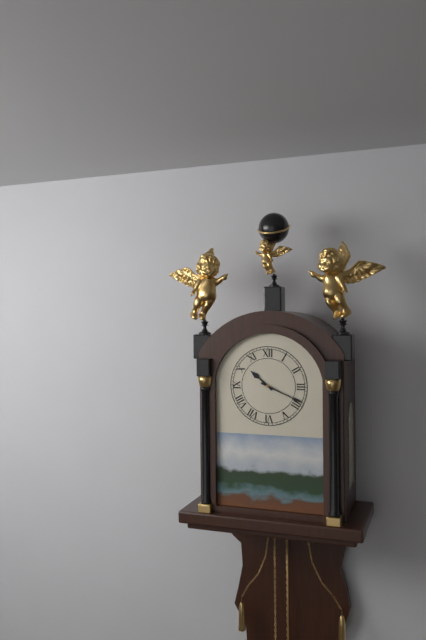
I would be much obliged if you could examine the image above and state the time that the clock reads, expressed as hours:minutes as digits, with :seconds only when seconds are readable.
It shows 10:19
